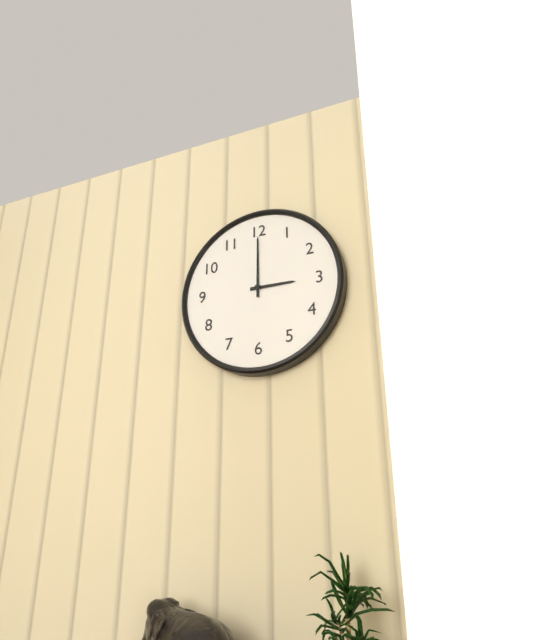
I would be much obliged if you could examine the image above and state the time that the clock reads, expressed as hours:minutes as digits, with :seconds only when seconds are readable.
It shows 3:00
